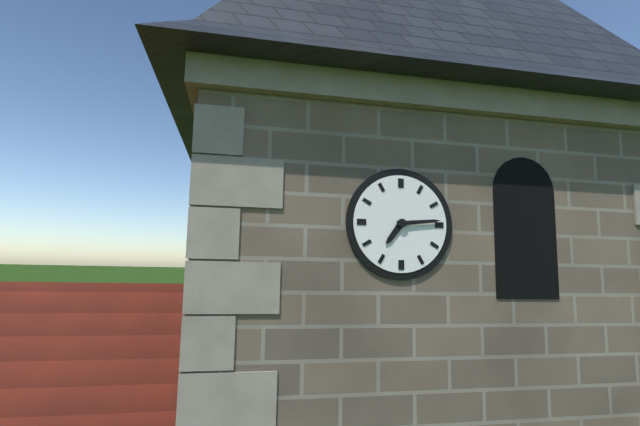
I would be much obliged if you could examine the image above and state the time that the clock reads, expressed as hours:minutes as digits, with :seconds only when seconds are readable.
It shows 7:14
